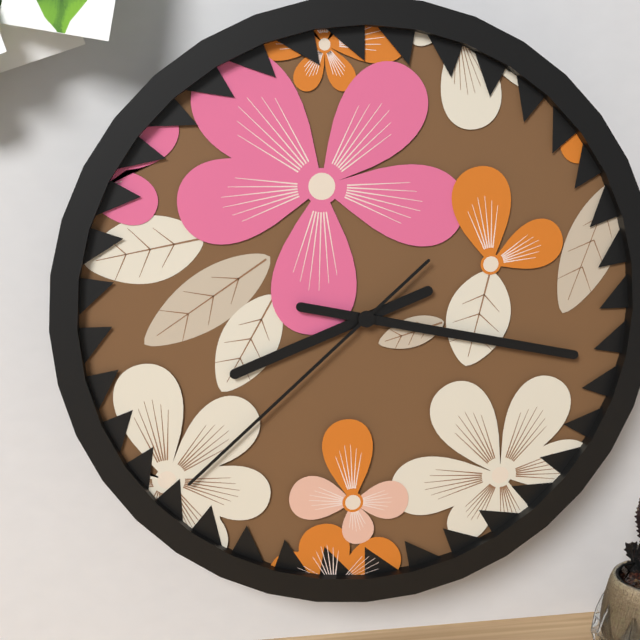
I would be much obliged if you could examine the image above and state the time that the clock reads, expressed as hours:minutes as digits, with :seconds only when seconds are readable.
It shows 8:17:38
